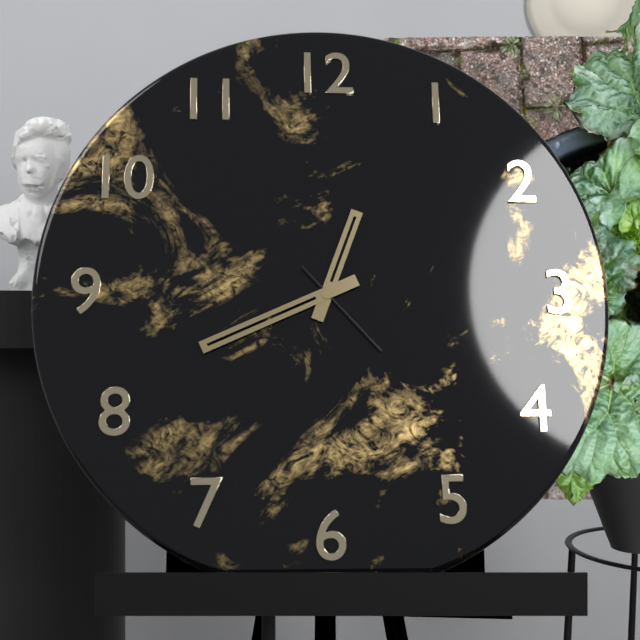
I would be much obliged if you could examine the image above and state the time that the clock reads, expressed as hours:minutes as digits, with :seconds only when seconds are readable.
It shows 12:41:23
